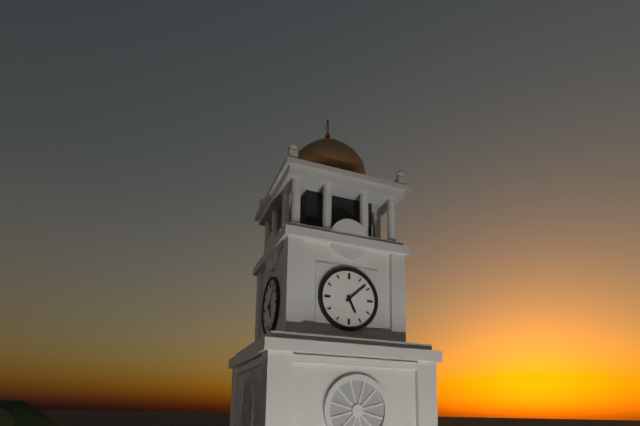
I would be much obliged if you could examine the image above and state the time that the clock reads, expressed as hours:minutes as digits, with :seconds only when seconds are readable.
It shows 5:08
